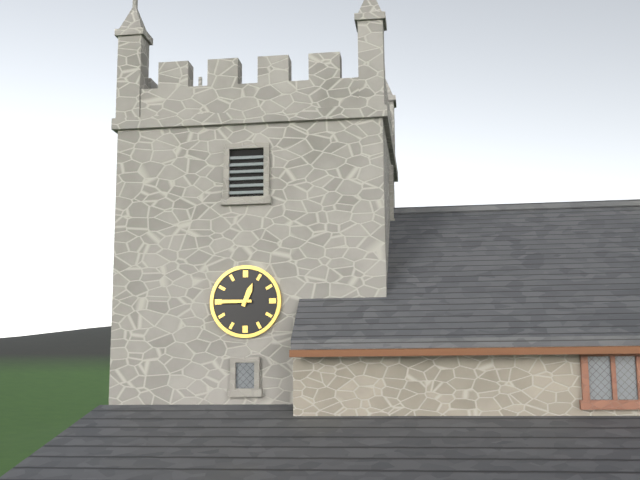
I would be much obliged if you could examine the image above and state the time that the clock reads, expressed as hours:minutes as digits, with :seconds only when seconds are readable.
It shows 12:45
